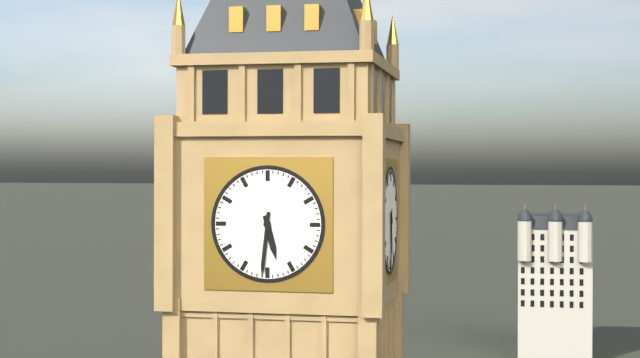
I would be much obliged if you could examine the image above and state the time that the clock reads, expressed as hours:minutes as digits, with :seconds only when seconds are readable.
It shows 5:31
